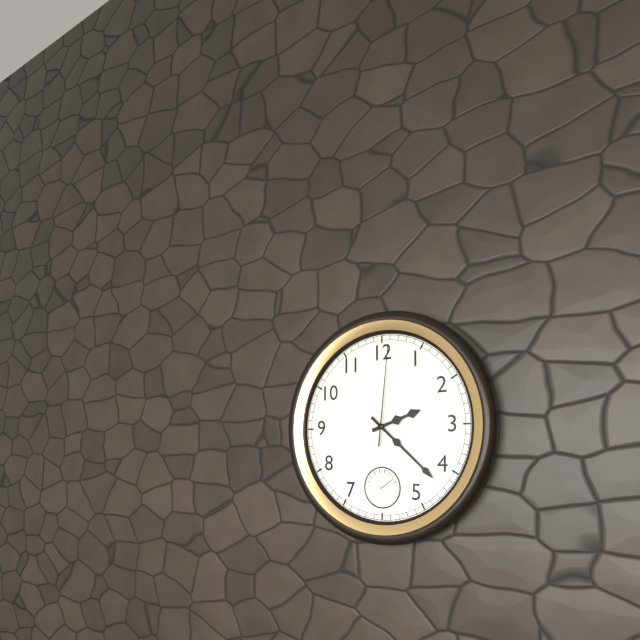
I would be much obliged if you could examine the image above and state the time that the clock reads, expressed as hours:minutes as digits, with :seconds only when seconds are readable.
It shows 2:22:01
